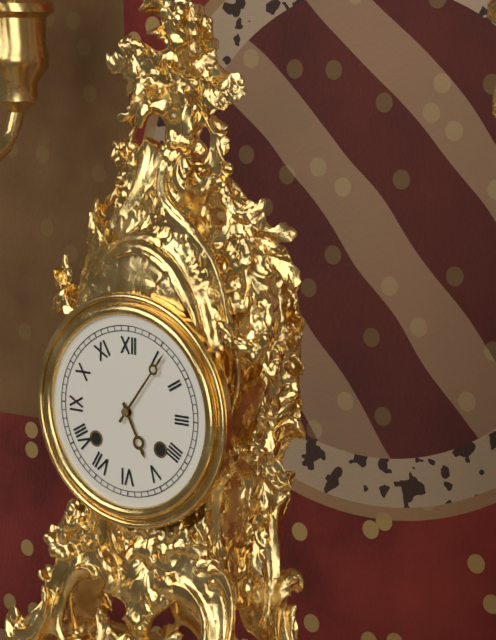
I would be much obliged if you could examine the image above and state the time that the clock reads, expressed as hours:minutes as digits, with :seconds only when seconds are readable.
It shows 5:06
